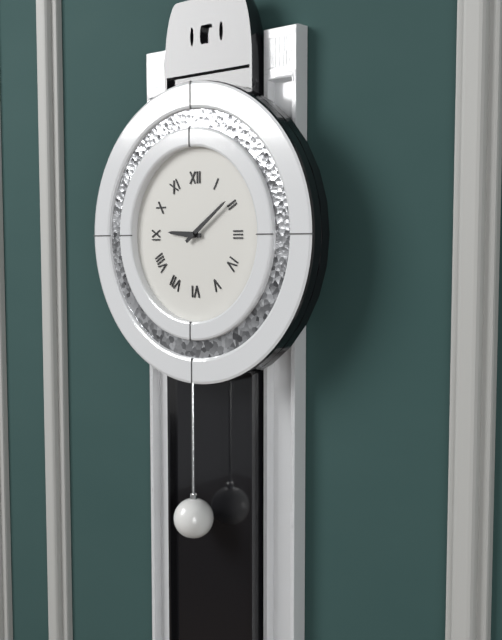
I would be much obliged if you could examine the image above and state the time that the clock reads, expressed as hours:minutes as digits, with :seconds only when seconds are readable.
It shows 9:09
